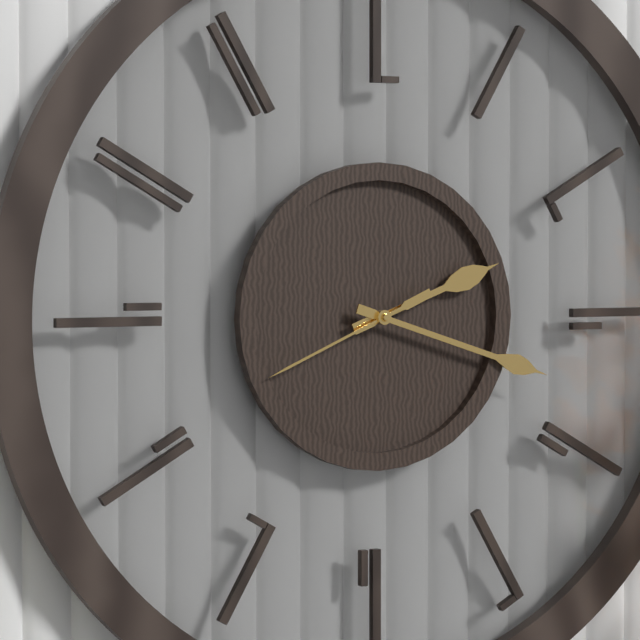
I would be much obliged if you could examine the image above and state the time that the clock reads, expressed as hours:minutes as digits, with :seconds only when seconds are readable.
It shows 2:18:41
